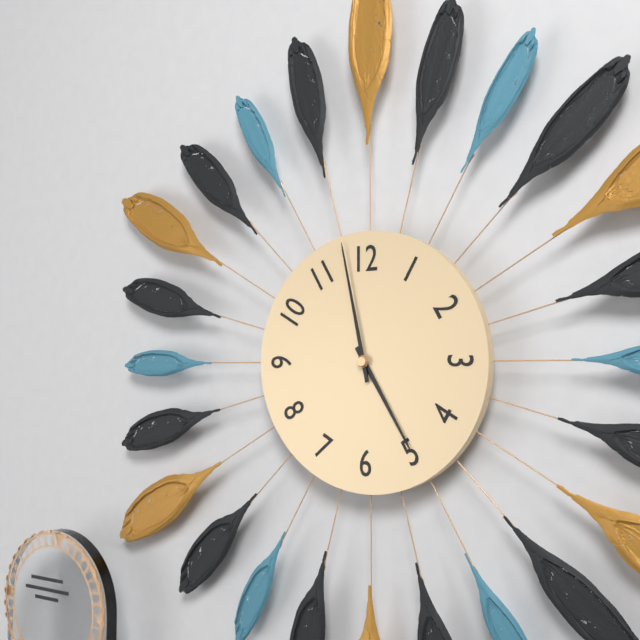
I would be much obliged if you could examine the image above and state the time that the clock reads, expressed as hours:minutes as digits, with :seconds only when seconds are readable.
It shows 4:58
